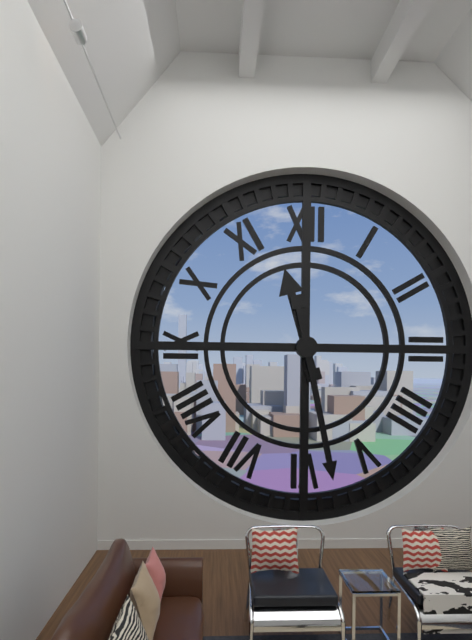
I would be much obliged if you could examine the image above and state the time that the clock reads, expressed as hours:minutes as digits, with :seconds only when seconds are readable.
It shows 11:28
